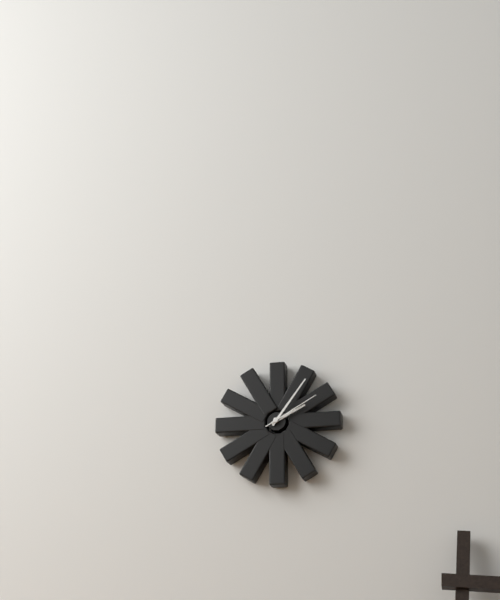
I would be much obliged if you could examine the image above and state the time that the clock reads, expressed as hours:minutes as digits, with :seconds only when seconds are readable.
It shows 2:06:10
